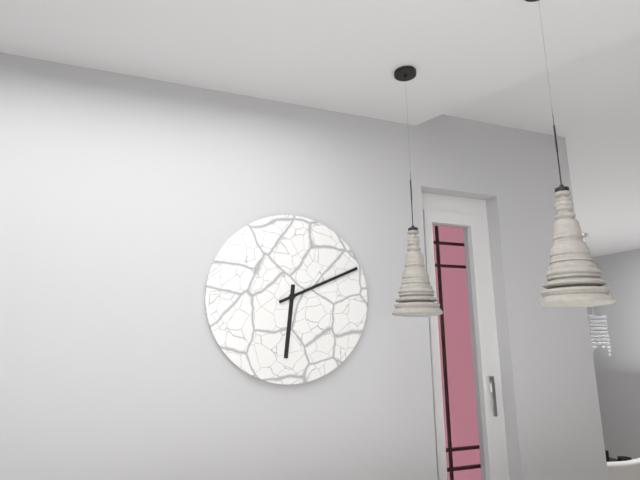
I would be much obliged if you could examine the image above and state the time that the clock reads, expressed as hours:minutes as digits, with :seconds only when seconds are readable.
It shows 6:11
